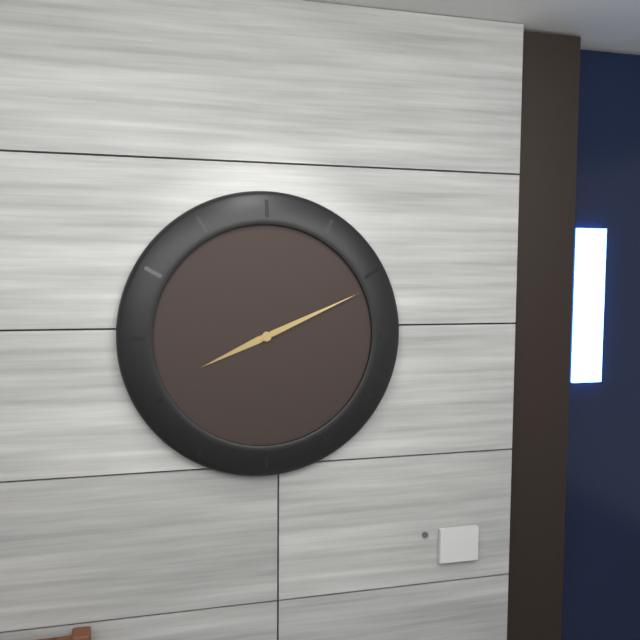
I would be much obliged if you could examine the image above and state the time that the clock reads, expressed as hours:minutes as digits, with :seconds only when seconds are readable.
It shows 8:11
